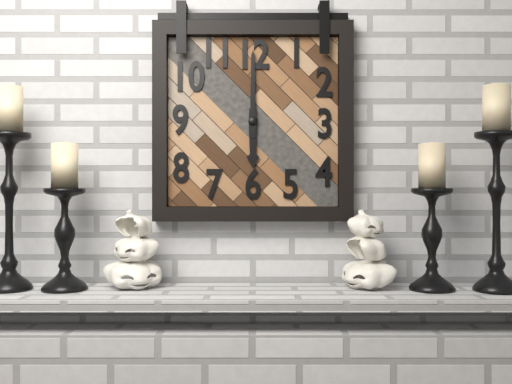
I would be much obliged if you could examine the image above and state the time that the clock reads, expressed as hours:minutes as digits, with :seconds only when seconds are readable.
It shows 6:00
